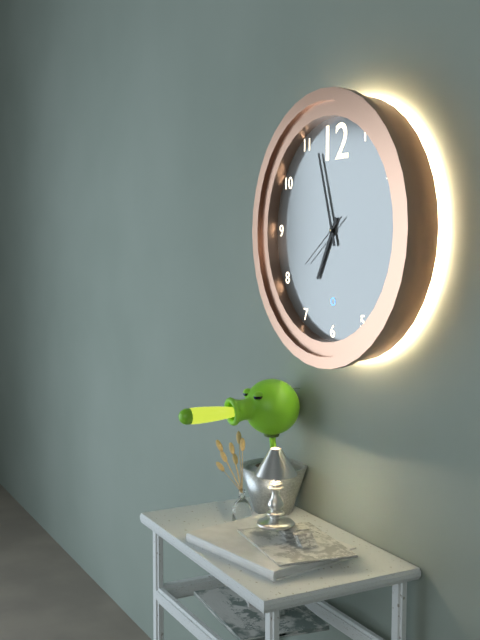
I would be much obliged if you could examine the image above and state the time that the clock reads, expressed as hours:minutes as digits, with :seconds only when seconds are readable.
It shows 6:57:39
